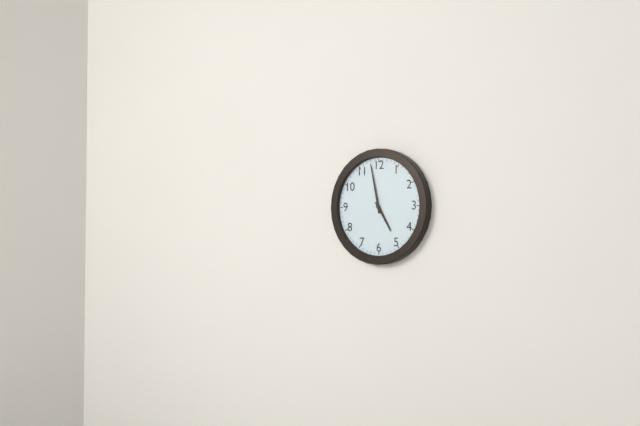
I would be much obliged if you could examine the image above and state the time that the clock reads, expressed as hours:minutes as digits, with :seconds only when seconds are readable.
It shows 4:58
